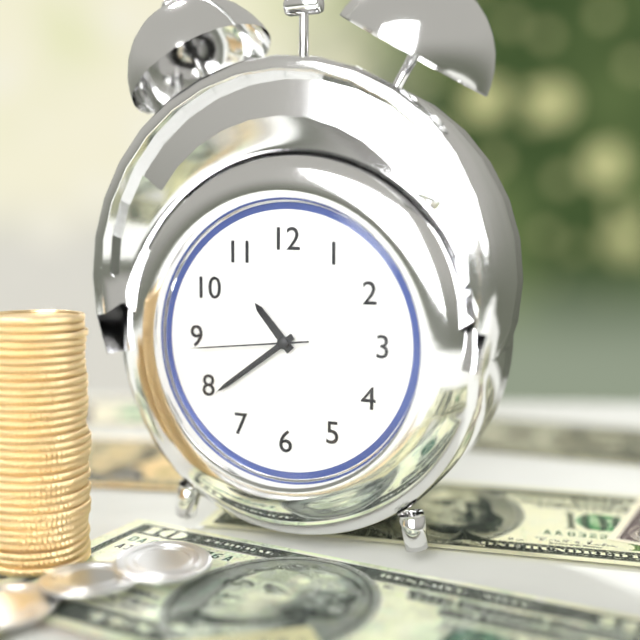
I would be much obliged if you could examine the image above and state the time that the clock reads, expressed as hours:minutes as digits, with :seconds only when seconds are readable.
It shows 10:39:44
